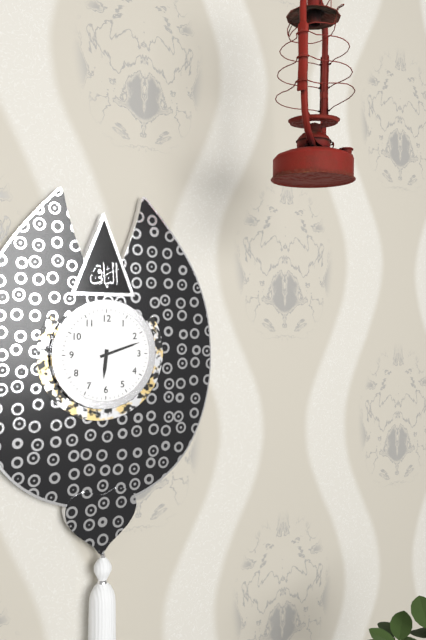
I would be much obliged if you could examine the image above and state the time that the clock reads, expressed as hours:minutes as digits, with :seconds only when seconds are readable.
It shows 6:12
